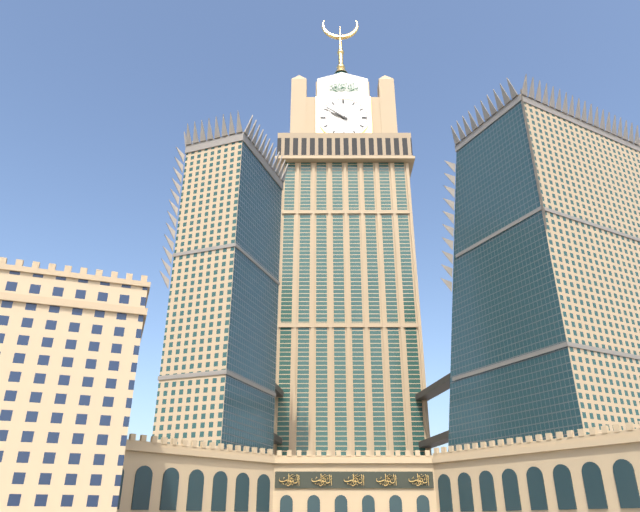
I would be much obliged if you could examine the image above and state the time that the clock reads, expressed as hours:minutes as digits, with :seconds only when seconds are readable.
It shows 9:51
